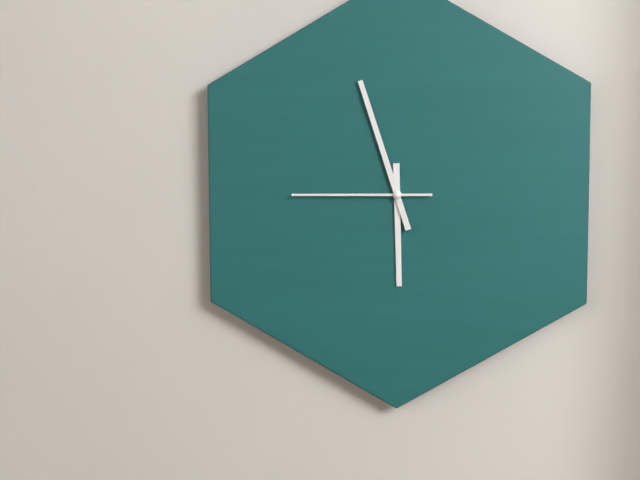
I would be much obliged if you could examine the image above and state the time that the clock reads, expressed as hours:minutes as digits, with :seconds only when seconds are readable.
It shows 5:57:45
